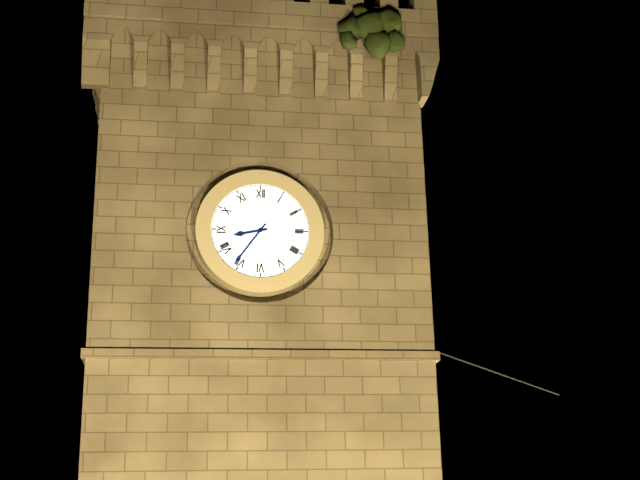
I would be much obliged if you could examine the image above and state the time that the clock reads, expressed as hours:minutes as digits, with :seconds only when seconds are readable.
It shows 8:36
